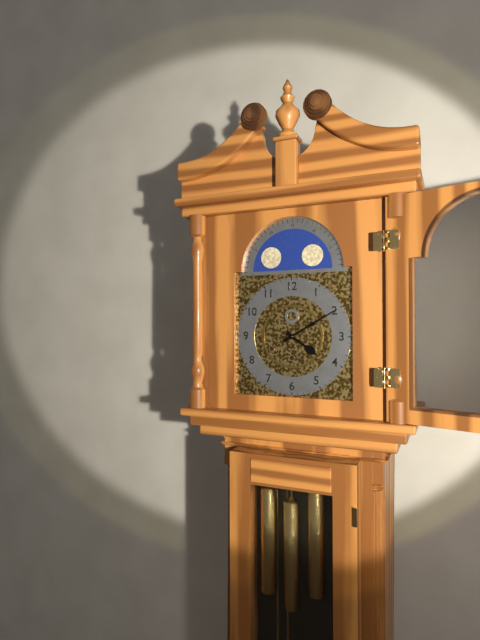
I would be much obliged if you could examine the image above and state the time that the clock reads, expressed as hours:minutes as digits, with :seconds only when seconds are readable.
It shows 4:10
